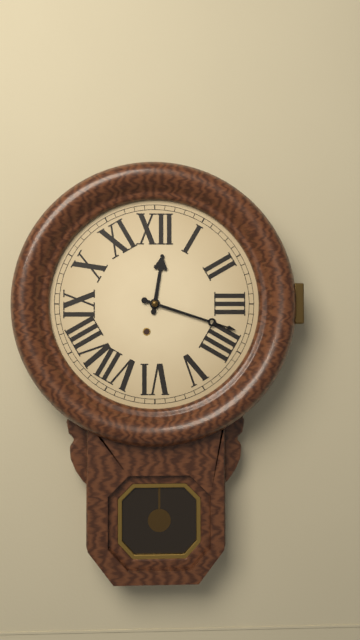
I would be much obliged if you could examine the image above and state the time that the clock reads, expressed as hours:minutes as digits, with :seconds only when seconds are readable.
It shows 12:18
